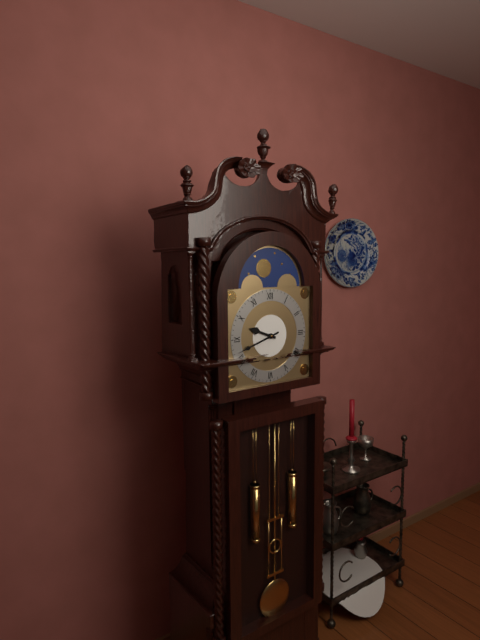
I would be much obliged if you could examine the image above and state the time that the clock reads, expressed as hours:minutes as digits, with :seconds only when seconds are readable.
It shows 9:42
